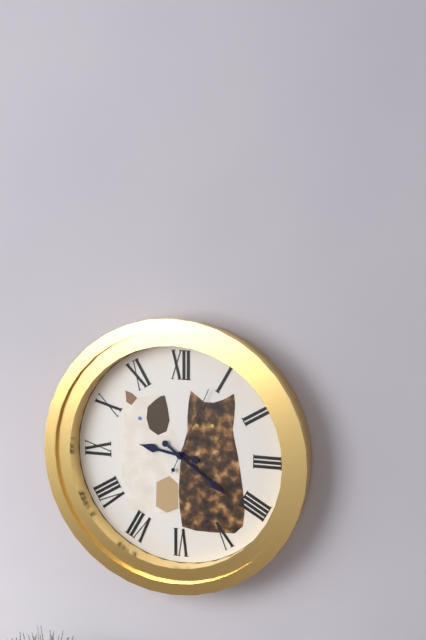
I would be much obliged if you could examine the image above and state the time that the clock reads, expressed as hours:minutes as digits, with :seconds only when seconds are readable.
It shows 9:21:04
